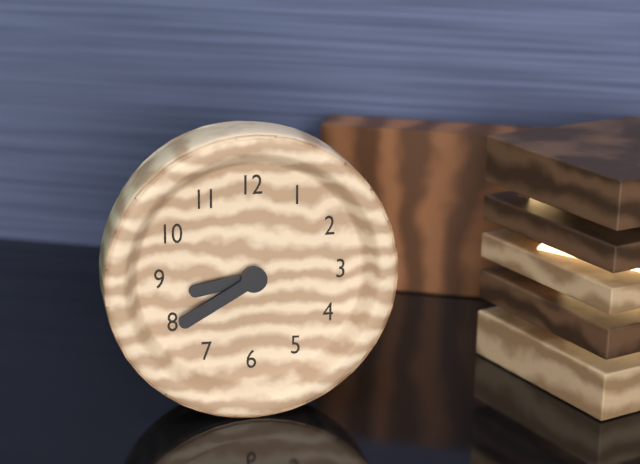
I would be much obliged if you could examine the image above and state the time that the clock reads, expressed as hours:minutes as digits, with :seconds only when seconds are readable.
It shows 8:40
